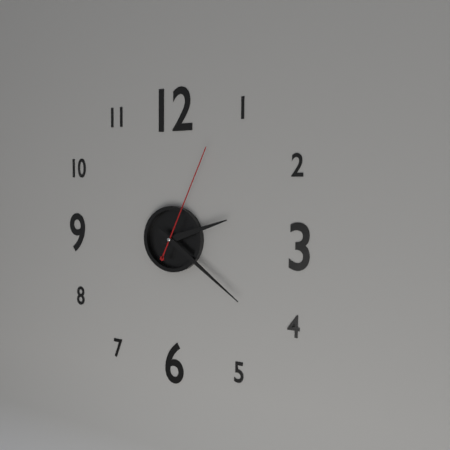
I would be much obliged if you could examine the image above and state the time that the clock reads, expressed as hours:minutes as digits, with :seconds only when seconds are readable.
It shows 2:21:04
